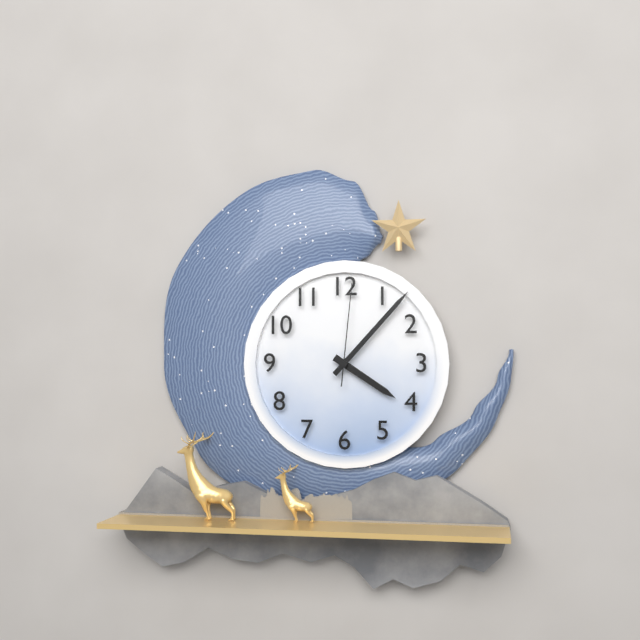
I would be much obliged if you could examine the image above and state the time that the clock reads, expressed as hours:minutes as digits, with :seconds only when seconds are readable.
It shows 4:07:01
